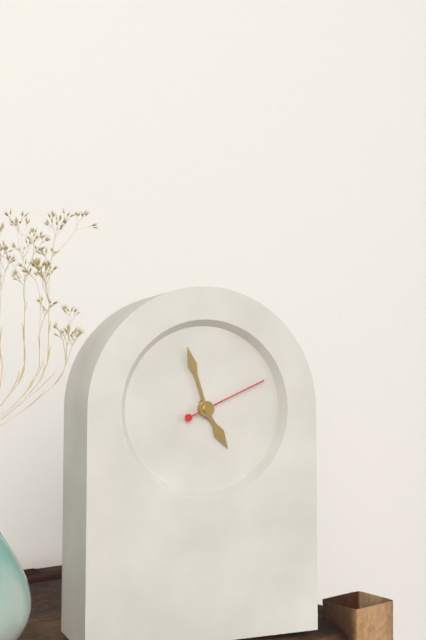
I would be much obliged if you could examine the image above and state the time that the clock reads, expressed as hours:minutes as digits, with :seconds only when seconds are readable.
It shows 4:57:11
